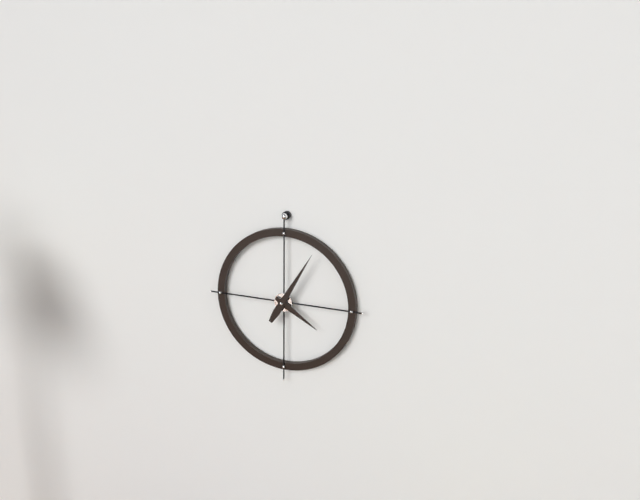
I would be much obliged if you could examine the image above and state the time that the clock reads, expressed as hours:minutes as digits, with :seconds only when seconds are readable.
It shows 4:05
